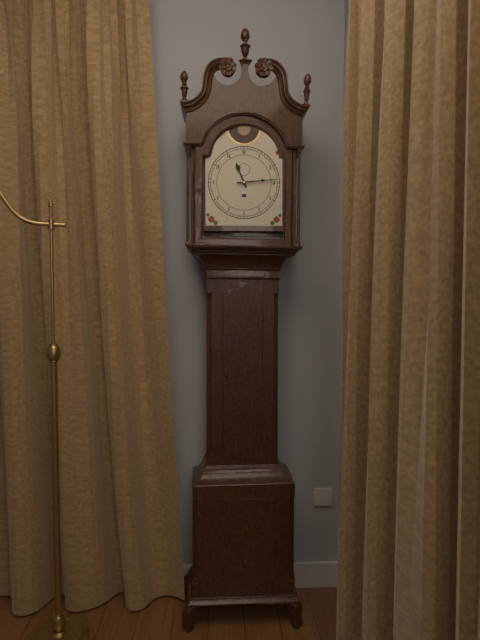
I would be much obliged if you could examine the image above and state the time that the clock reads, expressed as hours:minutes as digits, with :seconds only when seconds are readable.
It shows 11:14
